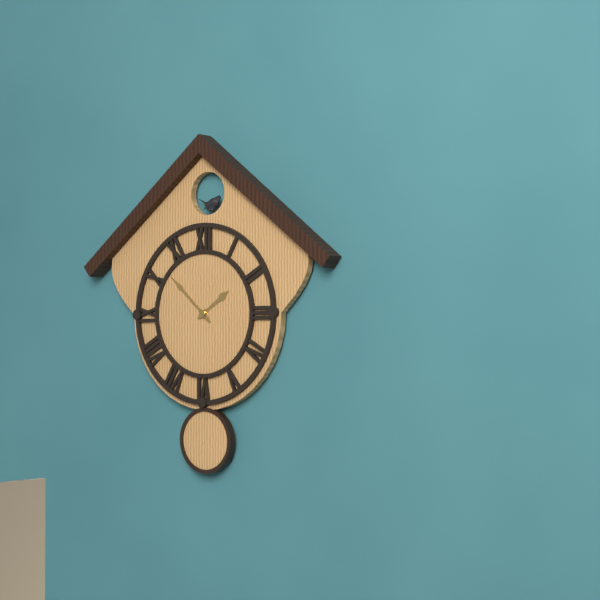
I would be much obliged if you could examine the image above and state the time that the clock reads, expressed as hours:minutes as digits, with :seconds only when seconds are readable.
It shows 1:52
